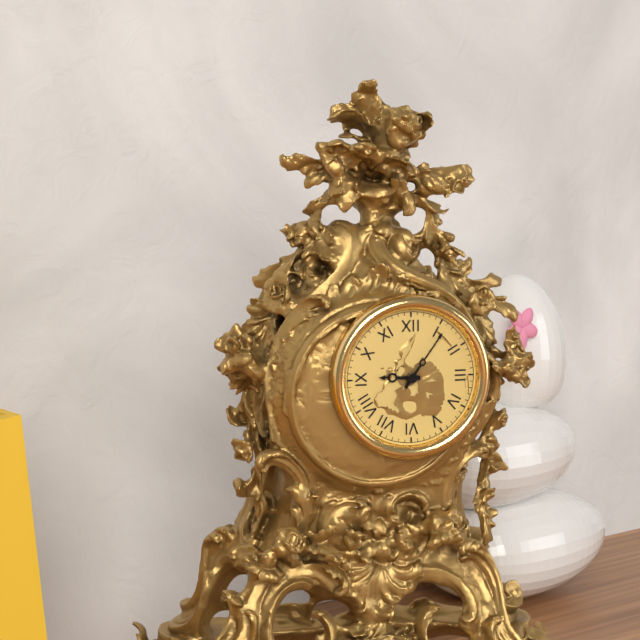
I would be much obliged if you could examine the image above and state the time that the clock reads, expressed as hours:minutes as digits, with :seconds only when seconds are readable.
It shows 9:06
